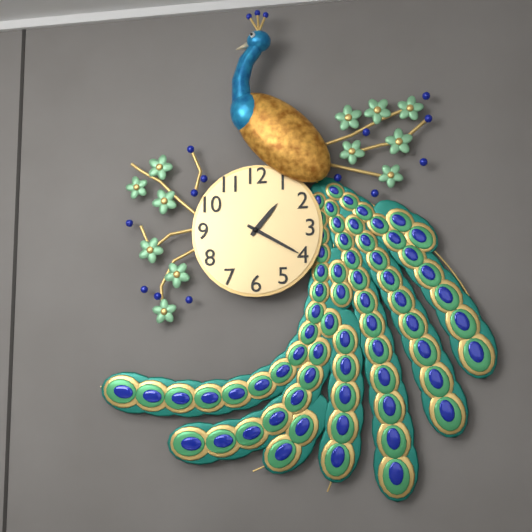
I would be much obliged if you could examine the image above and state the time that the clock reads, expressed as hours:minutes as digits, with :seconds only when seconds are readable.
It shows 1:20
